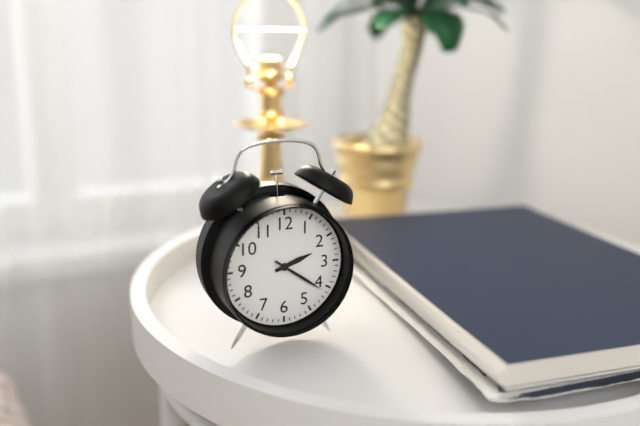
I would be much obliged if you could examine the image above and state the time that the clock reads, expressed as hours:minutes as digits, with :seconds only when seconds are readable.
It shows 2:21
